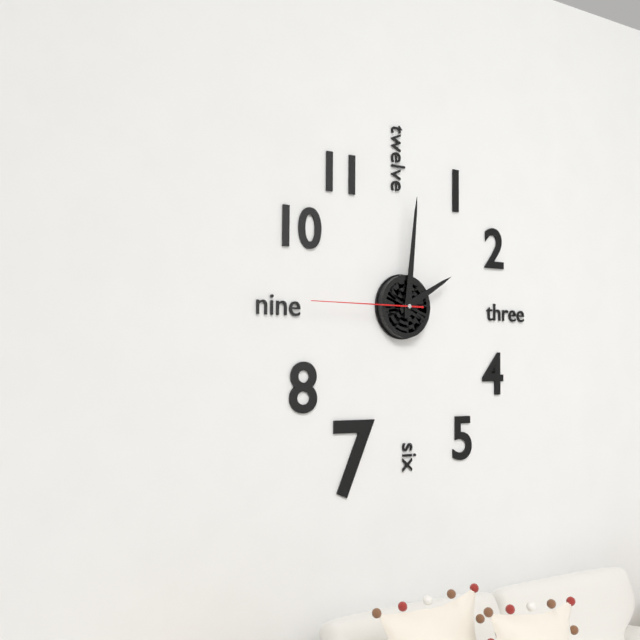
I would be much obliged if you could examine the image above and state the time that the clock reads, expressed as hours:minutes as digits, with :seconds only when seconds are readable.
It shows 2:01:45
